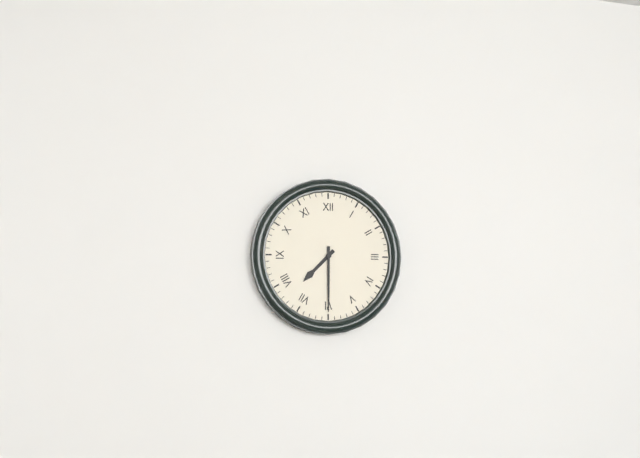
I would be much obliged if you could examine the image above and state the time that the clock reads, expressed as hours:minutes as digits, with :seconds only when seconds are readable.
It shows 7:30
